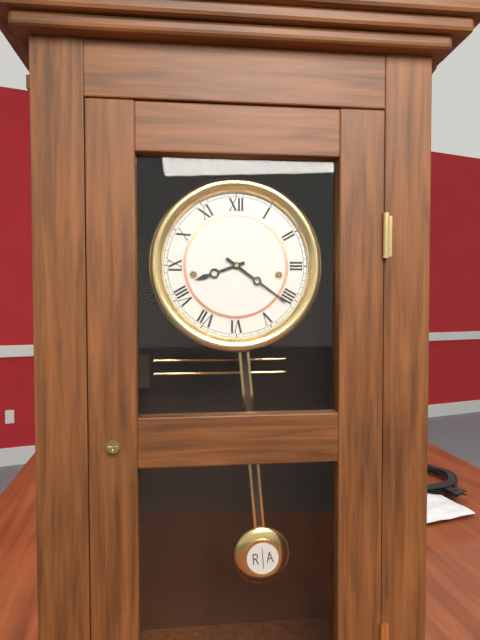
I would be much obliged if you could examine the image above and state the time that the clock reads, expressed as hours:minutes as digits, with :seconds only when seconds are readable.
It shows 8:21
